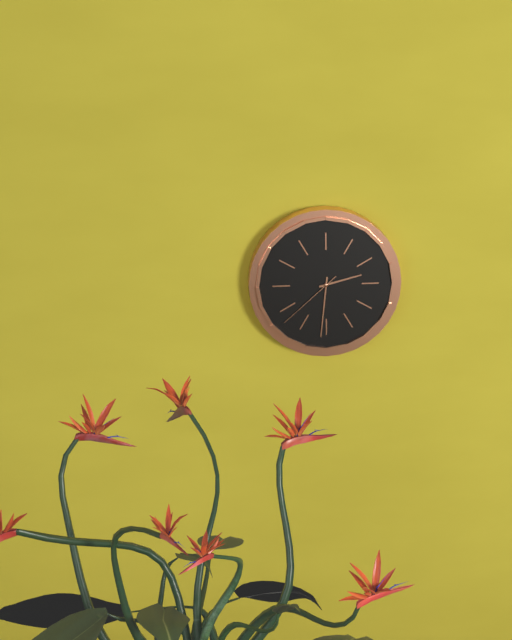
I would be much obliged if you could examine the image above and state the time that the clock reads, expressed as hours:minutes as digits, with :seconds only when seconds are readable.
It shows 2:31:38
